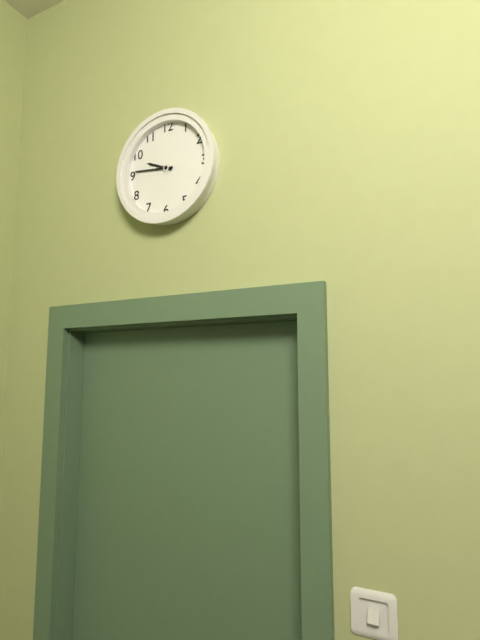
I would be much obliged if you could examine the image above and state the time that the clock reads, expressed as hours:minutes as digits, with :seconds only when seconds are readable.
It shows 9:46
